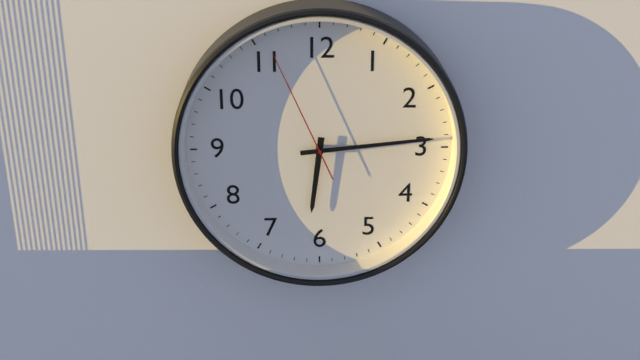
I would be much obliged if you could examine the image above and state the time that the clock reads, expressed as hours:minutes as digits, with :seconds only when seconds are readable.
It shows 6:14:56
